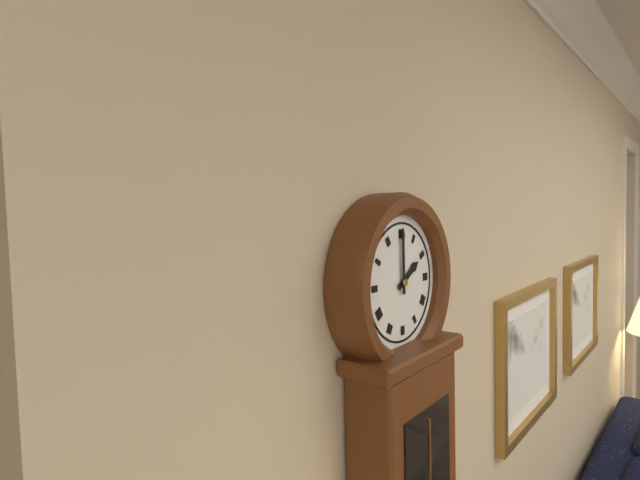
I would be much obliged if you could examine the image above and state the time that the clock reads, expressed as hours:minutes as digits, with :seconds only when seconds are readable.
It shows 2:00
